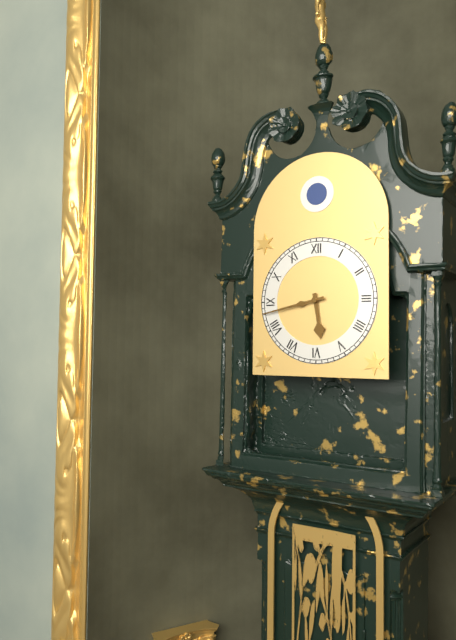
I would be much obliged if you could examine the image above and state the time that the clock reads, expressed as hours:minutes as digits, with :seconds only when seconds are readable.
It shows 5:43
